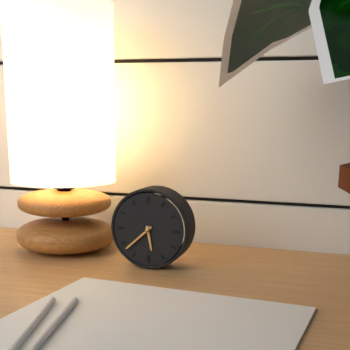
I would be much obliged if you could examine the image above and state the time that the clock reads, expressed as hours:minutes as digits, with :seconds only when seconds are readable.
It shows 5:38
